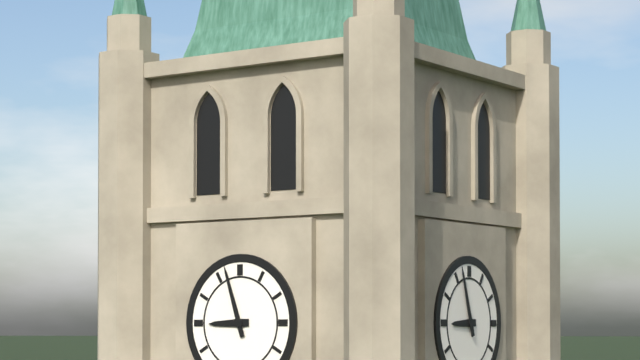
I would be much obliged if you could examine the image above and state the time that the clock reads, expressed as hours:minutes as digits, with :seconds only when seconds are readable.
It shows 8:57
